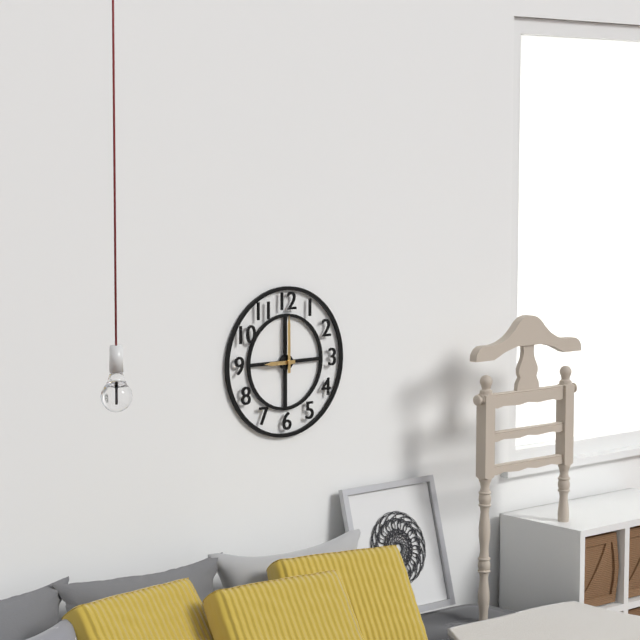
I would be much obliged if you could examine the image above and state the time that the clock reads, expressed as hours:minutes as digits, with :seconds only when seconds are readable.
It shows 9:00
